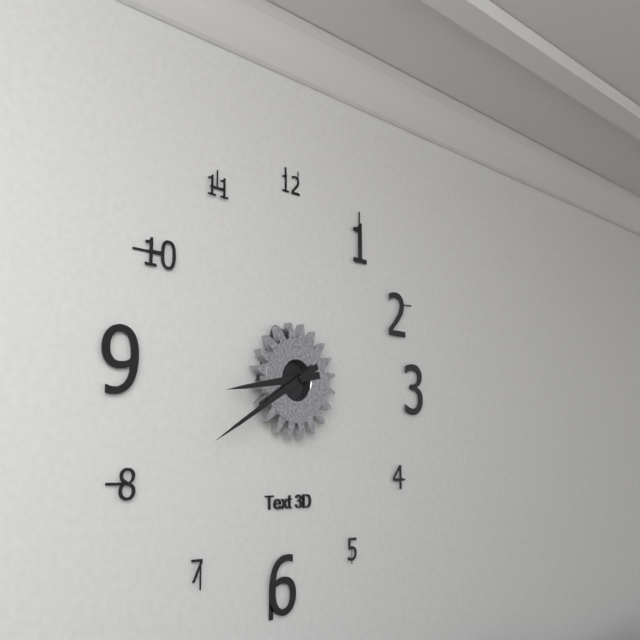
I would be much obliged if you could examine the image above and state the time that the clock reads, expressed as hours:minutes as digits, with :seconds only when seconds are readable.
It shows 8:40
